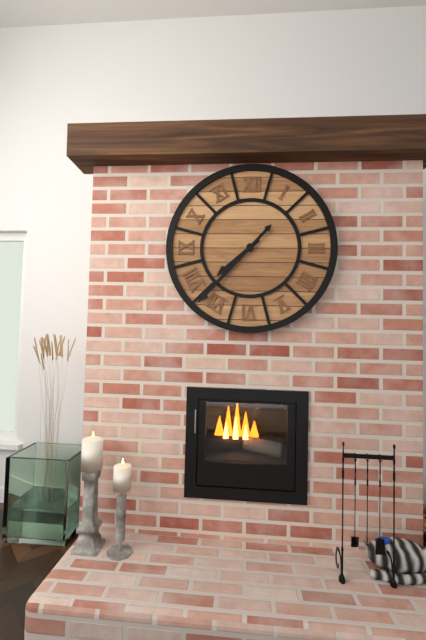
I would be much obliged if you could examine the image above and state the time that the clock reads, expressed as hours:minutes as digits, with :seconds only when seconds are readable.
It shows 7:37
